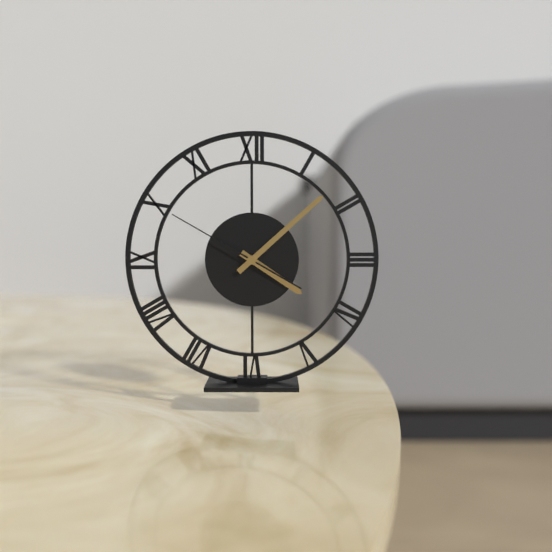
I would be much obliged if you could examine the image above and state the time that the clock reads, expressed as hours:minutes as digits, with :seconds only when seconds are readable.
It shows 4:08:50
